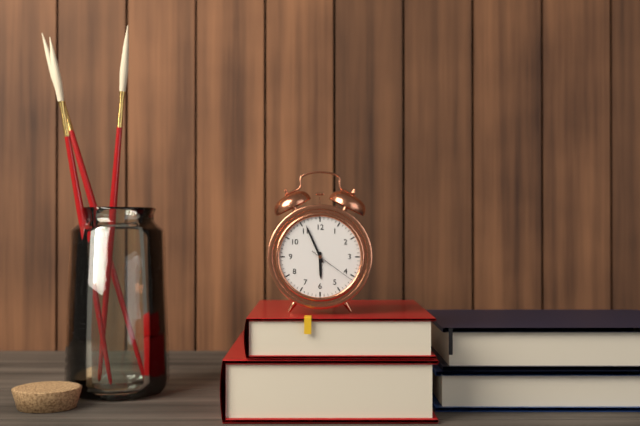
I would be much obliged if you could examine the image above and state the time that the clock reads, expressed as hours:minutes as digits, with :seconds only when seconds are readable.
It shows 5:56
